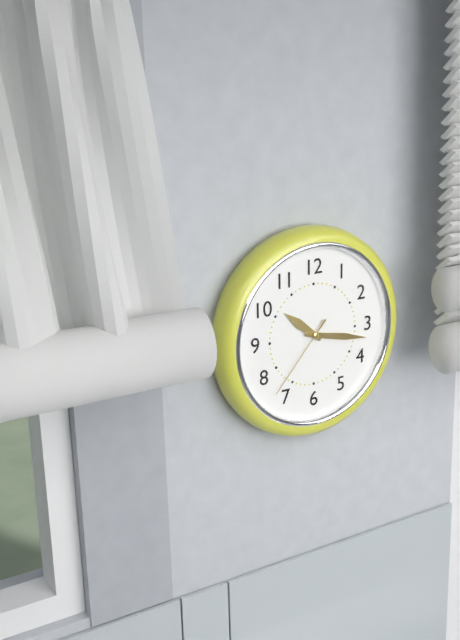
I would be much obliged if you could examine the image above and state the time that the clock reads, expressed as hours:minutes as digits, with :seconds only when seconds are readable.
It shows 10:17:37
